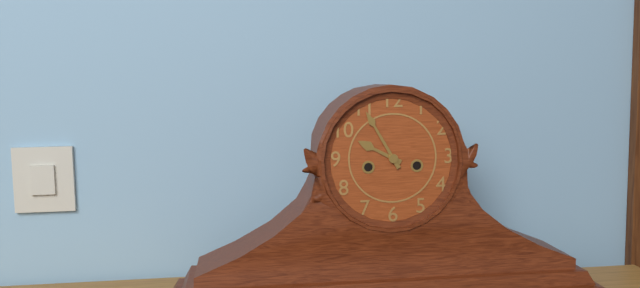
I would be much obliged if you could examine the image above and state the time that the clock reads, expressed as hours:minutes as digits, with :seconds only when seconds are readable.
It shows 9:55
